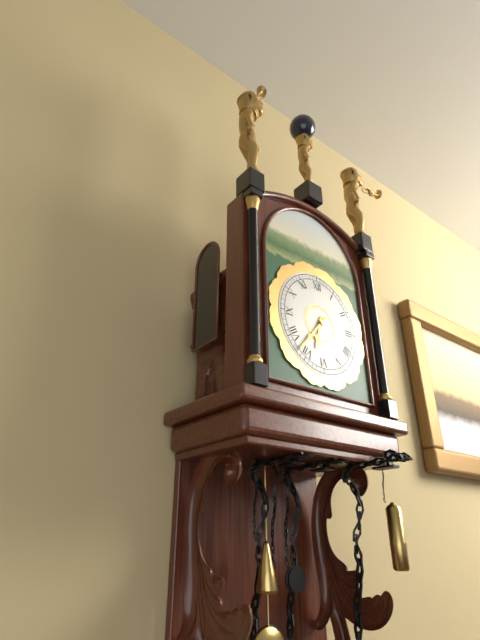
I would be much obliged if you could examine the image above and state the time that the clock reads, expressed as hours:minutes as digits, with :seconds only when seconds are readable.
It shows 6:37
